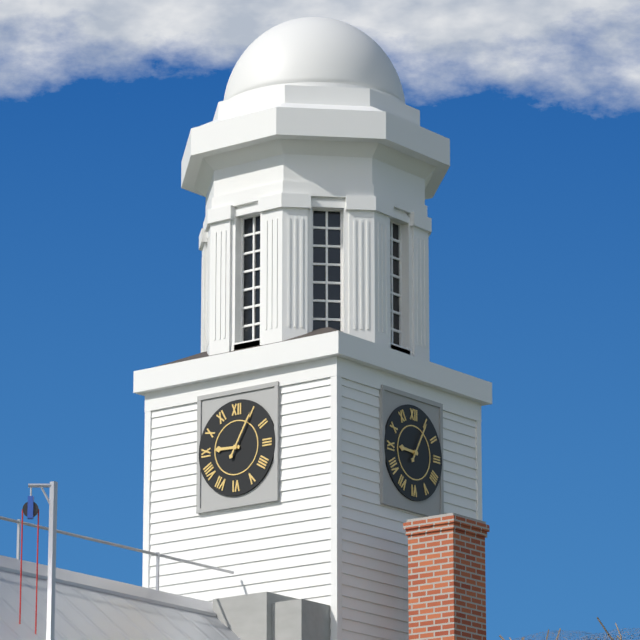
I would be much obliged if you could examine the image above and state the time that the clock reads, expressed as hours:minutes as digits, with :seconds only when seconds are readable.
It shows 9:05
